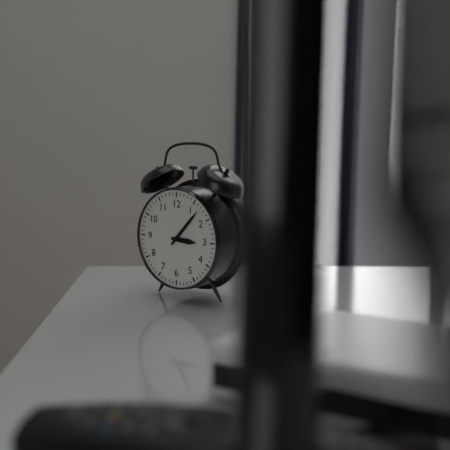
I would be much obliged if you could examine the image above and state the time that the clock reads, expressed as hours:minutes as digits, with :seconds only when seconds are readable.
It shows 3:07
